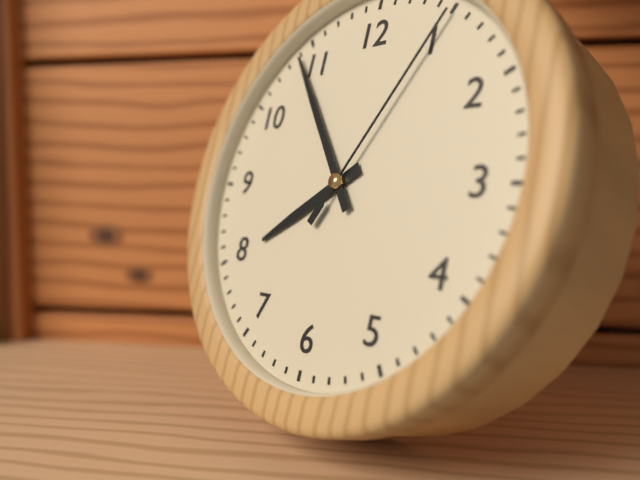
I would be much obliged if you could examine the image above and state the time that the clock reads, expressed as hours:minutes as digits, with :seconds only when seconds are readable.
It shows 7:54:05
